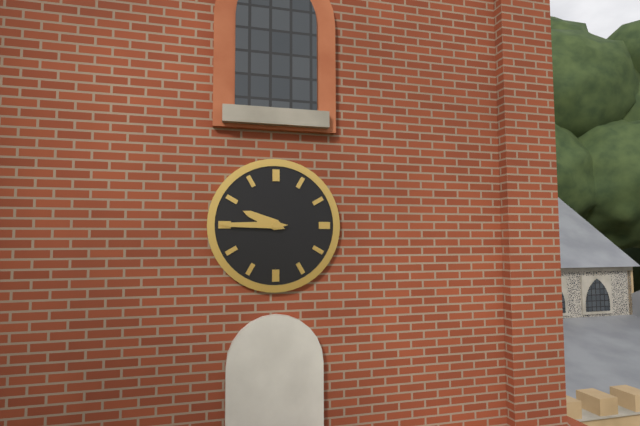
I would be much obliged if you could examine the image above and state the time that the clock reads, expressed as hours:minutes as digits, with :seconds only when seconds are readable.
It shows 9:45
